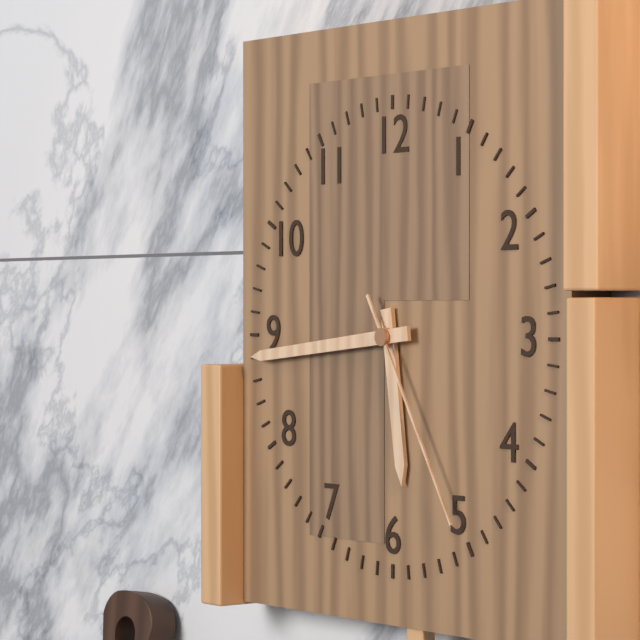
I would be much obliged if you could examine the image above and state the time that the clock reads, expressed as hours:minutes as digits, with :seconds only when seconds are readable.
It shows 5:44:25
